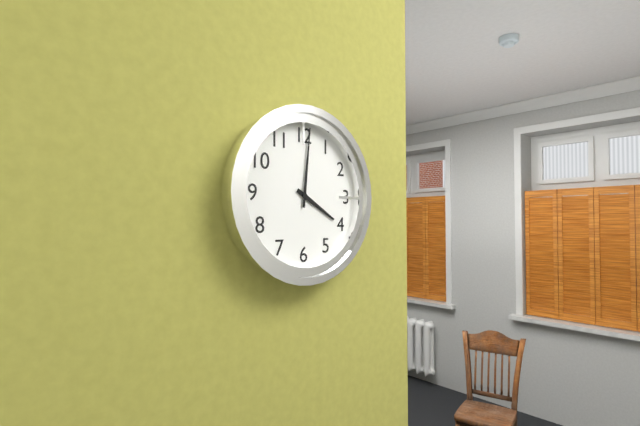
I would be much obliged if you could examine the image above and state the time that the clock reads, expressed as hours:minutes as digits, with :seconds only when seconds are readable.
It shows 4:01
